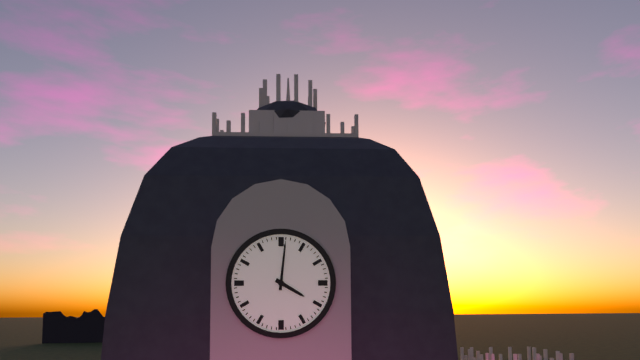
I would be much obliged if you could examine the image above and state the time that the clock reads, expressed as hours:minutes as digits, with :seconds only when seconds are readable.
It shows 4:01
